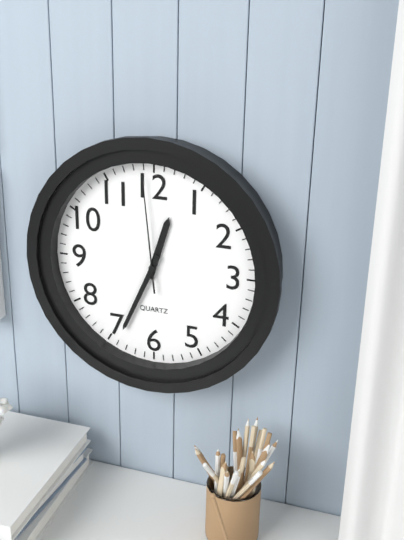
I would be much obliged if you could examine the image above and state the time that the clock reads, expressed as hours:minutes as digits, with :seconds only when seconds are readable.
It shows 12:34:59
